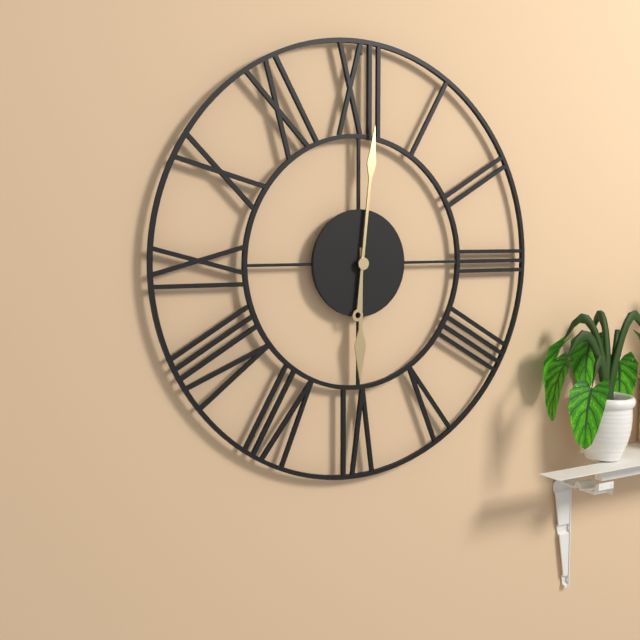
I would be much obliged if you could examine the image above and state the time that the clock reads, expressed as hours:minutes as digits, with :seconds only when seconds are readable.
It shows 6:01
